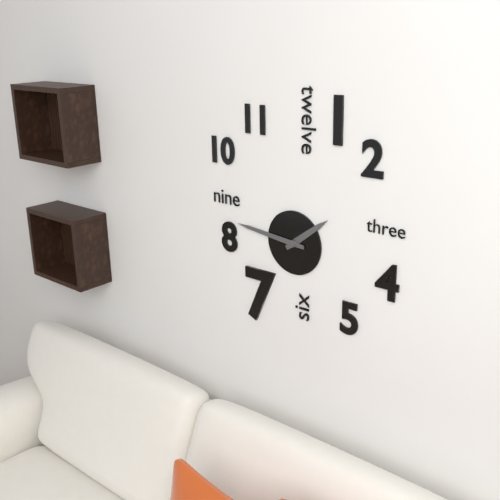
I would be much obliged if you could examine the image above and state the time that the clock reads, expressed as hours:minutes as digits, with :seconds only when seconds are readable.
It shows 1:46
